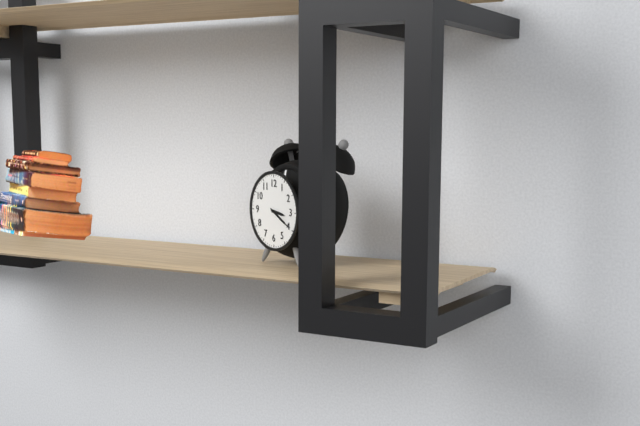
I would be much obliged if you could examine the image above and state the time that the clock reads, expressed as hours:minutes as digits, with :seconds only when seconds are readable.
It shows 3:20
